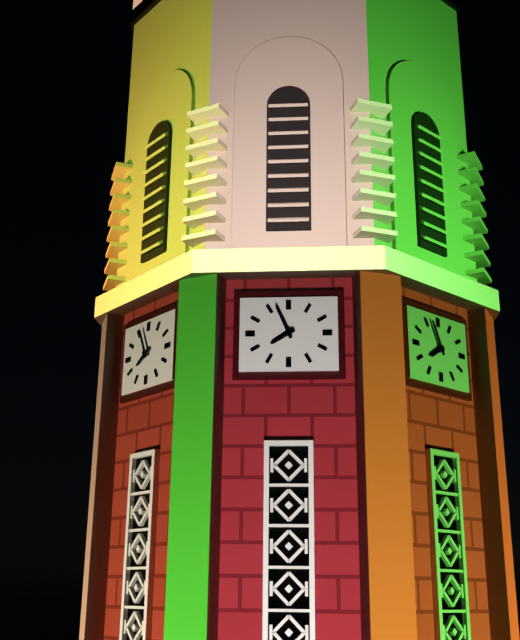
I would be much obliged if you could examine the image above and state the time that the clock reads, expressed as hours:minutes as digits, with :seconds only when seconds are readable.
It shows 7:56
